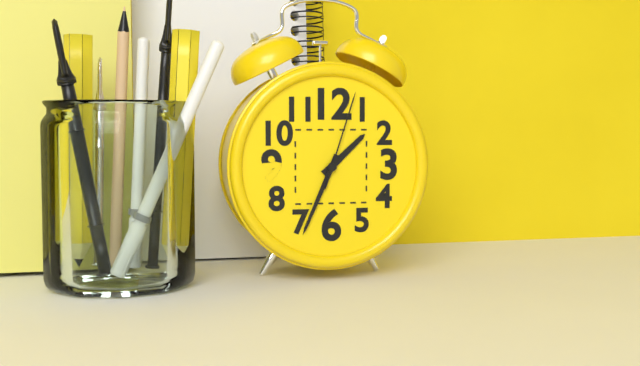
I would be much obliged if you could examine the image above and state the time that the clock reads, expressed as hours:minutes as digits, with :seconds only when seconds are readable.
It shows 1:34:03
